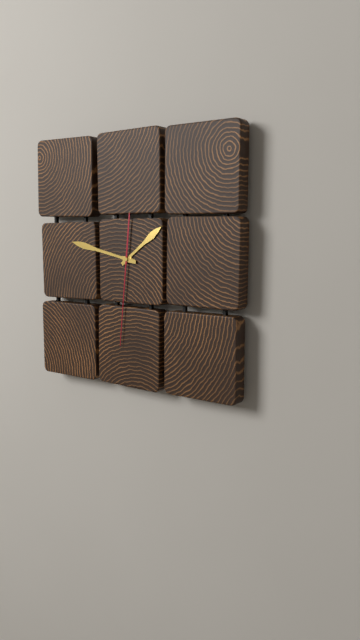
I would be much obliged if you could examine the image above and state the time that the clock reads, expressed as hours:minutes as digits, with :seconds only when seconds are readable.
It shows 1:47:31
